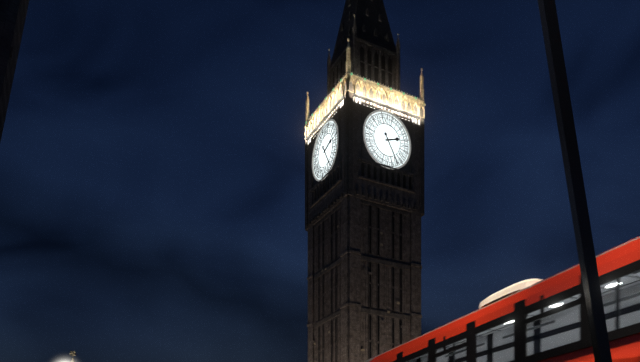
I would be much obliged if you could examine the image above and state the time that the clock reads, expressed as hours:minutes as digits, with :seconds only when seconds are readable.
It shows 2:25
